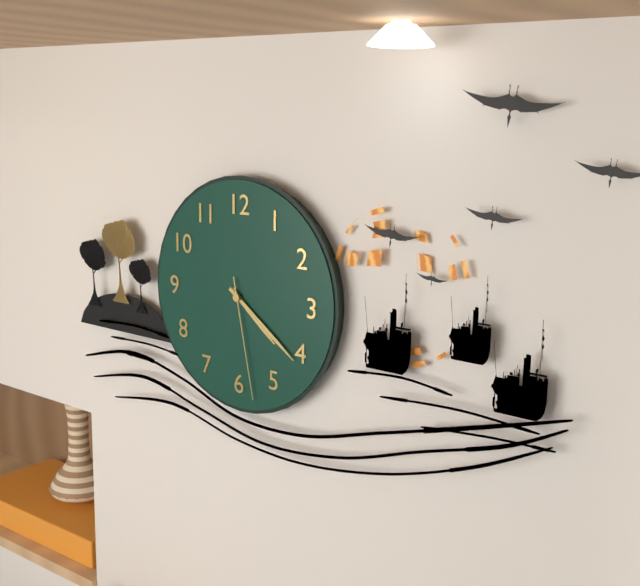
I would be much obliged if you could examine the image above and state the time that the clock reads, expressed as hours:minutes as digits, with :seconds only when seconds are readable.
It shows 4:21:28
